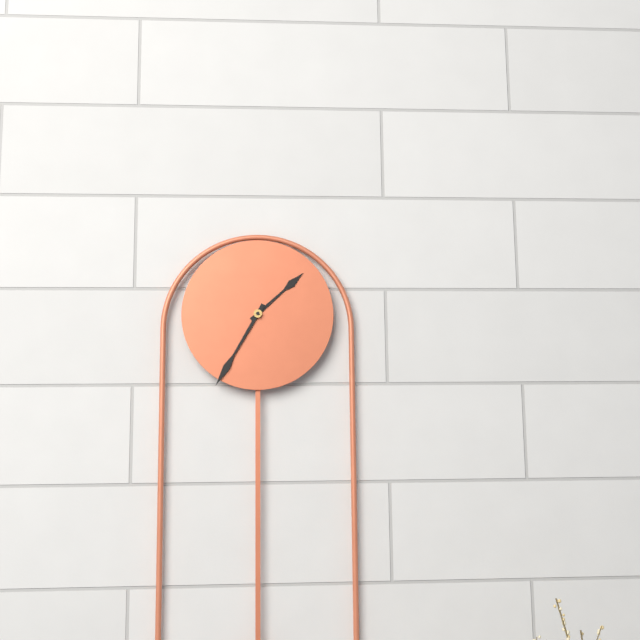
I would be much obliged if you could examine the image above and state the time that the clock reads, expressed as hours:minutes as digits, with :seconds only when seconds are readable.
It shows 1:35
